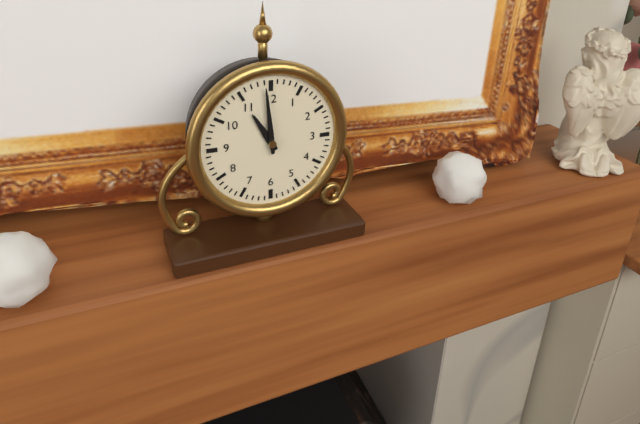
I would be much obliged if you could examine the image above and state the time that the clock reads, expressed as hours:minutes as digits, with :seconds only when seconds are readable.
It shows 10:59
